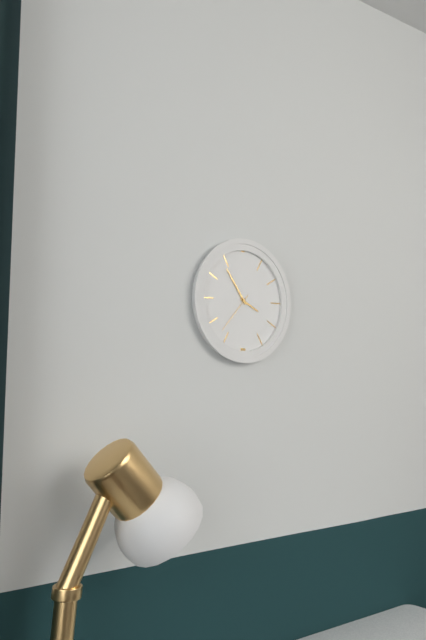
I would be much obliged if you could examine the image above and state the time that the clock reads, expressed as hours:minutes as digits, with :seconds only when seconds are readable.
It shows 3:54
